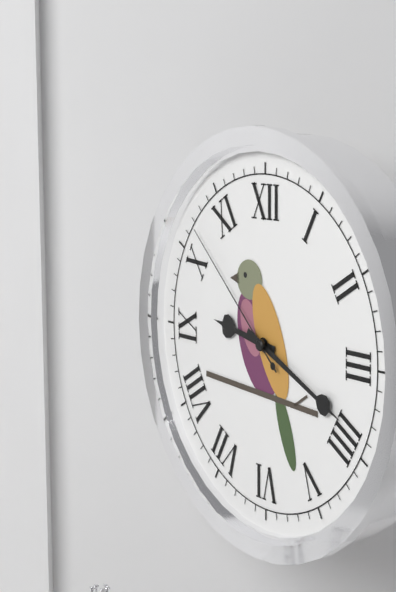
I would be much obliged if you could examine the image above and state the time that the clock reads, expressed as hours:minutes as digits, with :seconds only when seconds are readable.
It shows 9:19:52
